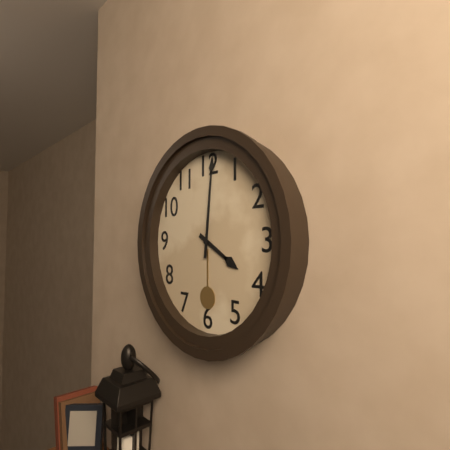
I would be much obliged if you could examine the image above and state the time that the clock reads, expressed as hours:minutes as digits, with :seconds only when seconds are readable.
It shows 4:01
